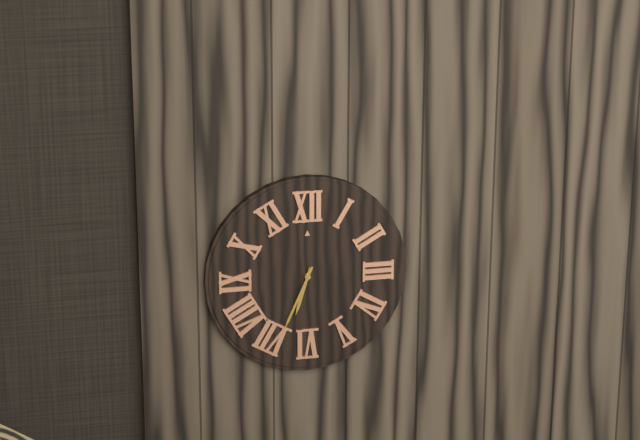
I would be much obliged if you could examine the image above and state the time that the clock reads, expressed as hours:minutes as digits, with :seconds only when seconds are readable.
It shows 6:34
